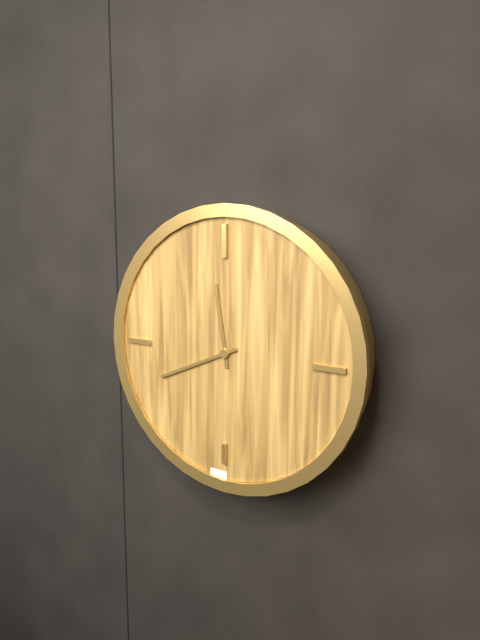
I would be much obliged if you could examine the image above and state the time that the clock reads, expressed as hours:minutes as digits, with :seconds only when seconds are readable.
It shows 11:41
